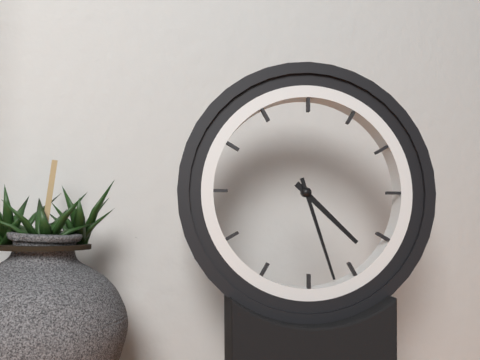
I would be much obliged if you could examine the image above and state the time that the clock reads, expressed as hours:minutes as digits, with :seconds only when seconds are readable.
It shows 4:27
